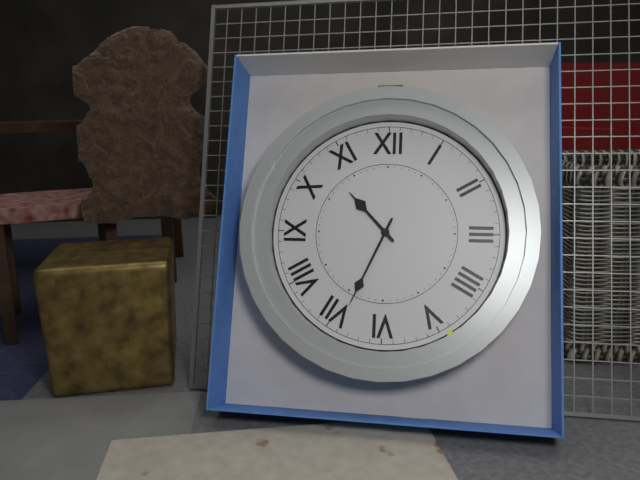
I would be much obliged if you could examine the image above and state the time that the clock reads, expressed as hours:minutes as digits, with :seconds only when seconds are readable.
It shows 10:34
